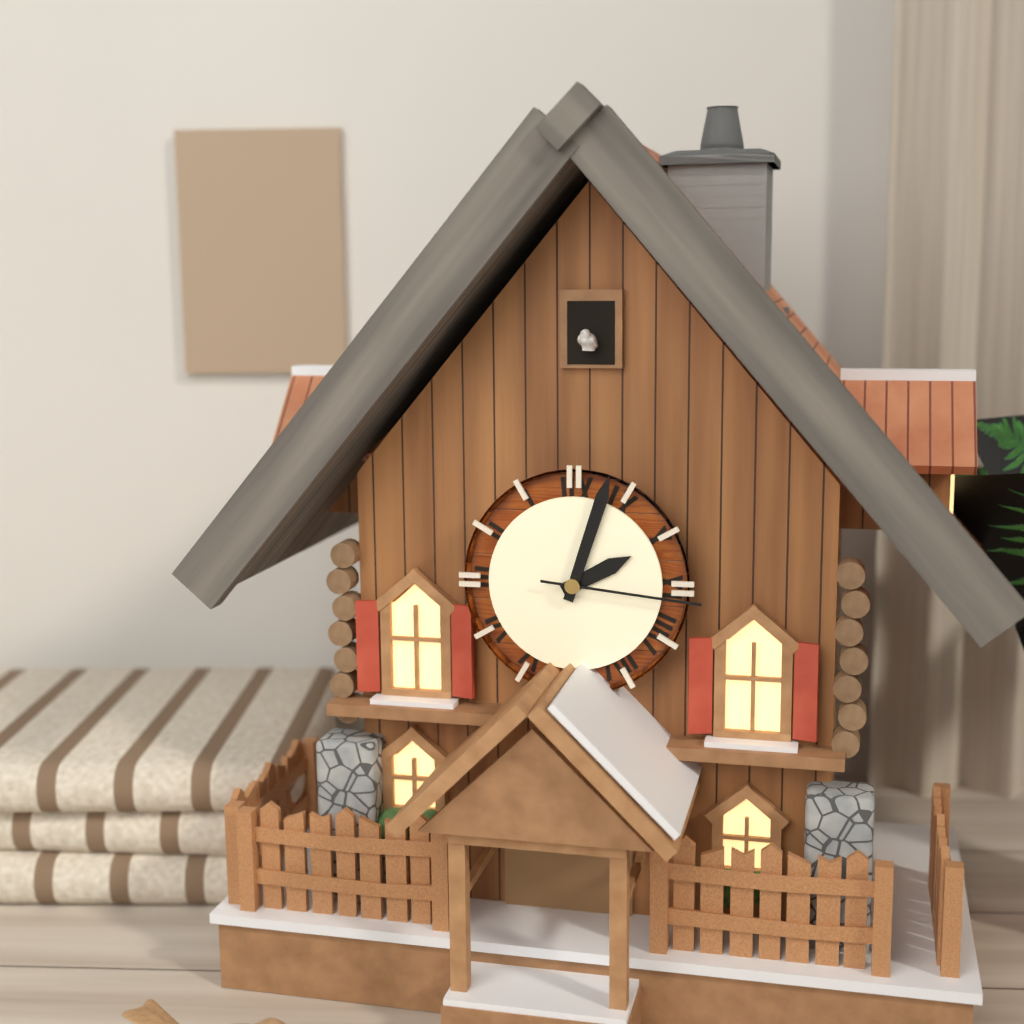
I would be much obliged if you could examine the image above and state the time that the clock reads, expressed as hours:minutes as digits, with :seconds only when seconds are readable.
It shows 2:03:16
